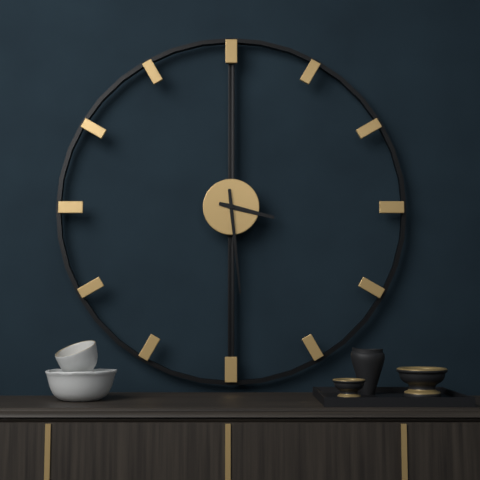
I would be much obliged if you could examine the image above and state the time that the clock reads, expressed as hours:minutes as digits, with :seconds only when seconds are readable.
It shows 3:29
